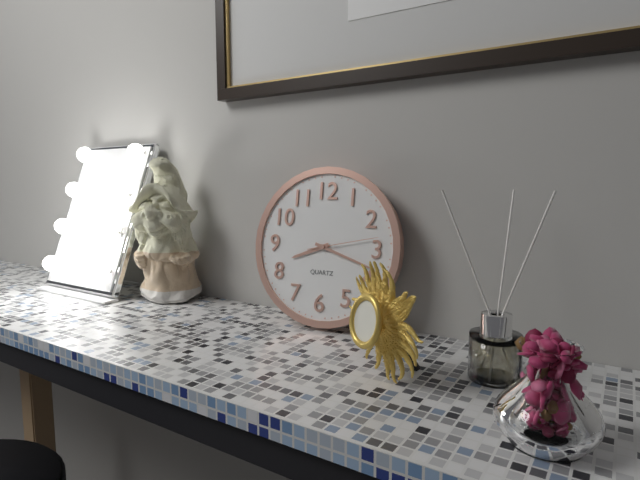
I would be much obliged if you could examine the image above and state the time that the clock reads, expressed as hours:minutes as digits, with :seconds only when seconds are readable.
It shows 8:18:13
